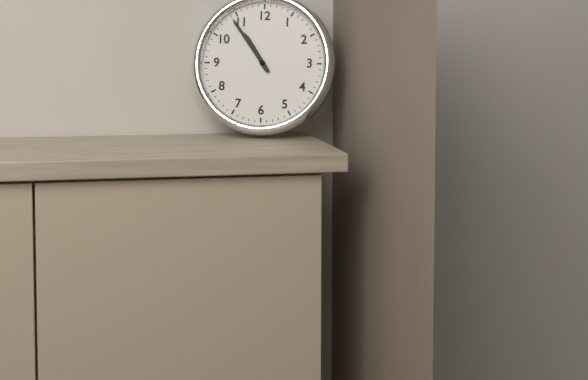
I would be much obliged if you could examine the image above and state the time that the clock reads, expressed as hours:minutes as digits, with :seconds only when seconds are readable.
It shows 10:54
